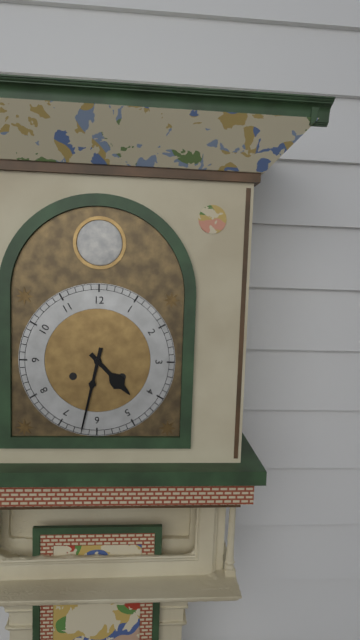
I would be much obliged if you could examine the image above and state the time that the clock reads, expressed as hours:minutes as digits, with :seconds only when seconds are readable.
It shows 4:32
